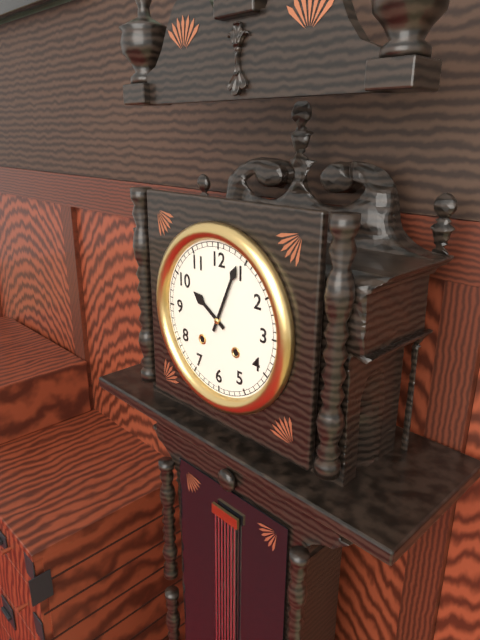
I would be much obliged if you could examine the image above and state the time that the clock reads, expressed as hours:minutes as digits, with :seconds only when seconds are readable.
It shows 10:04
